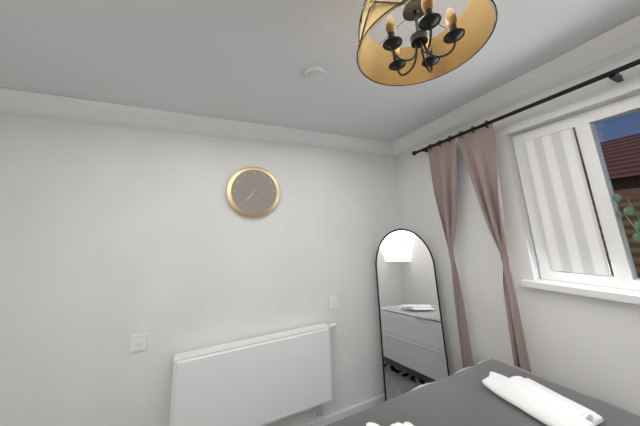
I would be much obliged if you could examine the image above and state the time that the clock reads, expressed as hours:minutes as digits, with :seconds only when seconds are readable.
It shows 7:20
